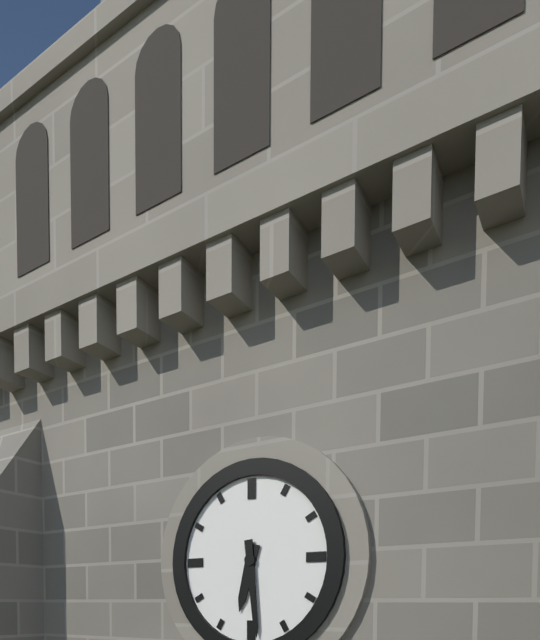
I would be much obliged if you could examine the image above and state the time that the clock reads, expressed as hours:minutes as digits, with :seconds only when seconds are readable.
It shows 6:29
